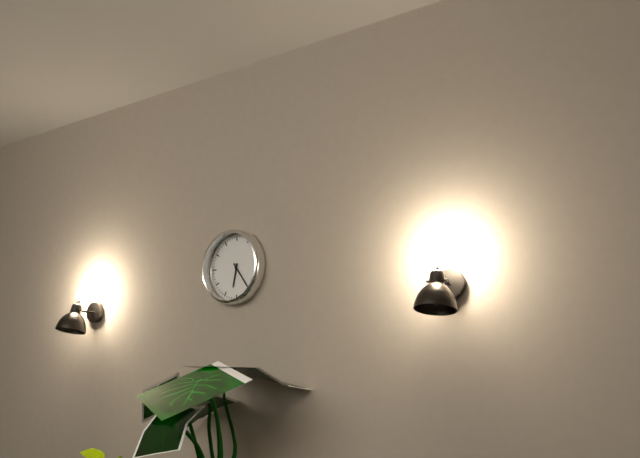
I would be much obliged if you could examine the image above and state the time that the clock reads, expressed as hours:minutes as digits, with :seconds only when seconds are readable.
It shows 6:24
